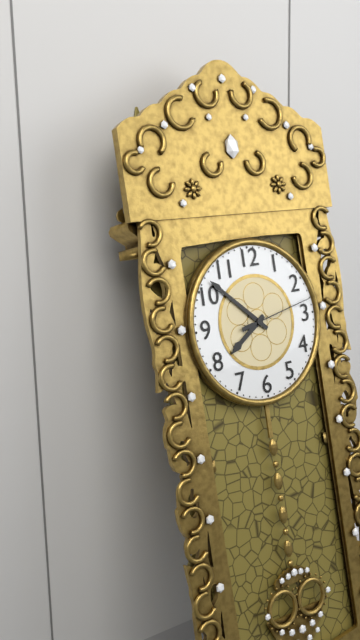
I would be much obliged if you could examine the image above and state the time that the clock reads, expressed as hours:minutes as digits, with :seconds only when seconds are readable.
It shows 7:52:13
